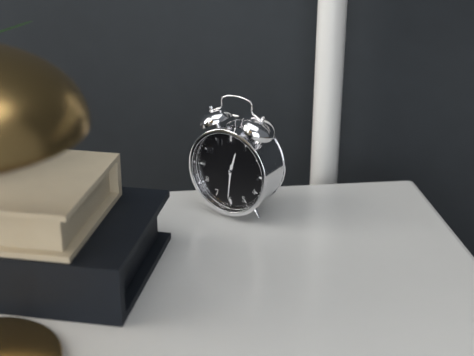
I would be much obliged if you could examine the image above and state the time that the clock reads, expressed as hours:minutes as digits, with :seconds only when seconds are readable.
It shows 12:31
